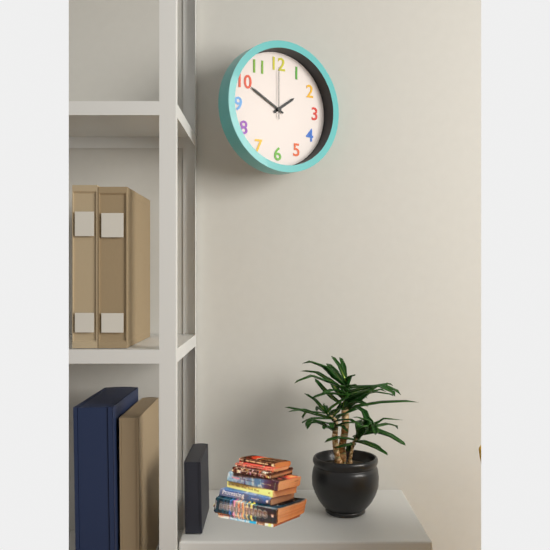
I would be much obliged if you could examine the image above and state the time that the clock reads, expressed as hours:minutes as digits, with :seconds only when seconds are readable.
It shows 1:50:00
